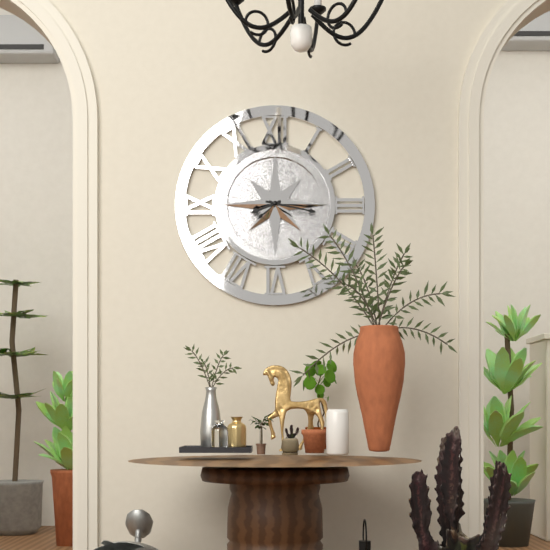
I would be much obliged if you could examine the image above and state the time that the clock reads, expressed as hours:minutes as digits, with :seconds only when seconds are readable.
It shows 8:17
